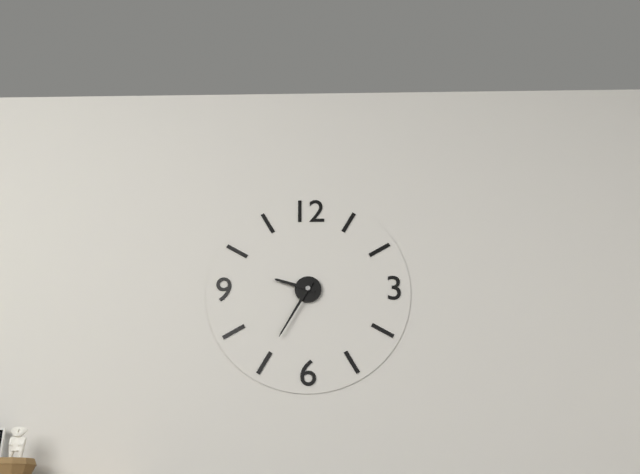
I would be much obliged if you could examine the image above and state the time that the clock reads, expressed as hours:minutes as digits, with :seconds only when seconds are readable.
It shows 9:35
